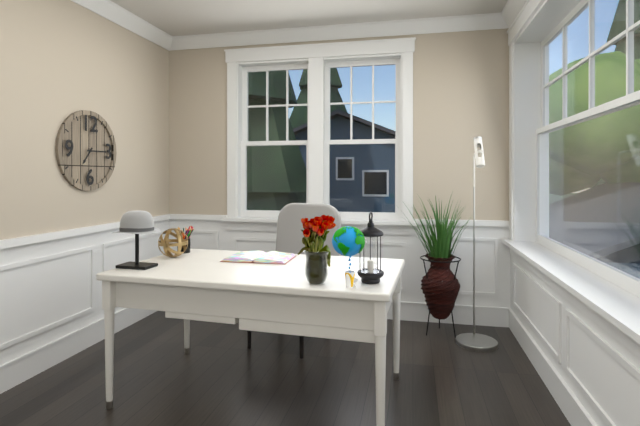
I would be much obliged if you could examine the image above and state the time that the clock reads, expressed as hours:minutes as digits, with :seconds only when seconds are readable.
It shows 7:15
